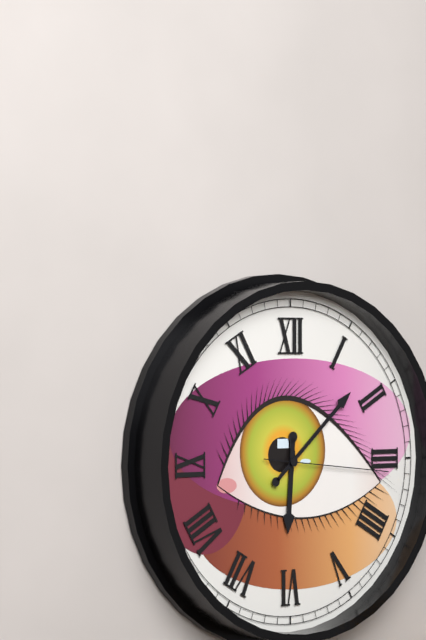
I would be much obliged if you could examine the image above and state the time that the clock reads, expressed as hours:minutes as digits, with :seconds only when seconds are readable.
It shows 6:08:16
